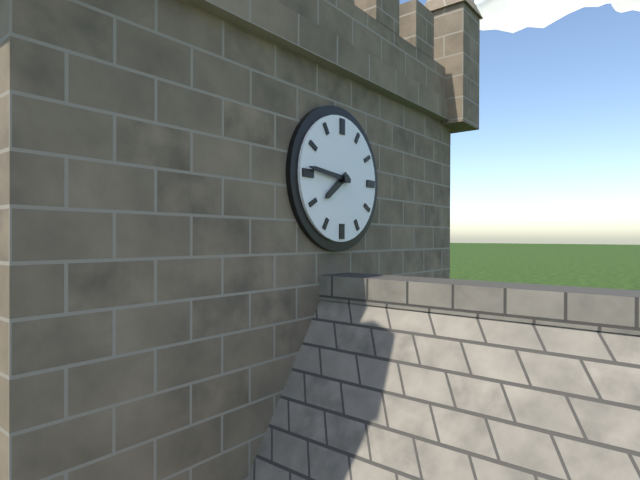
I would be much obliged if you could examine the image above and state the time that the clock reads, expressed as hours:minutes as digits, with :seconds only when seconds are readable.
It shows 7:46
